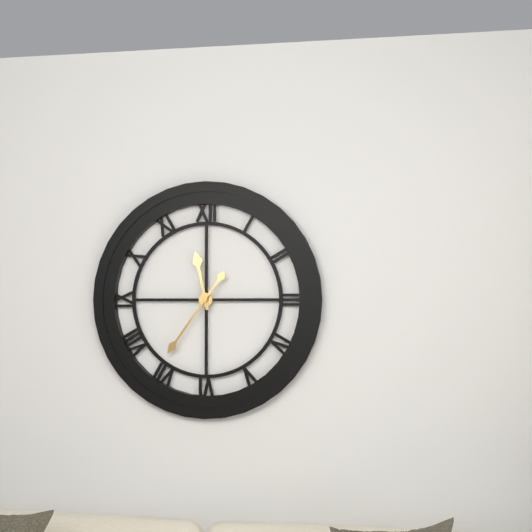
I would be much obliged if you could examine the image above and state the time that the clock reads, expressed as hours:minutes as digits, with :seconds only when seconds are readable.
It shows 11:36
